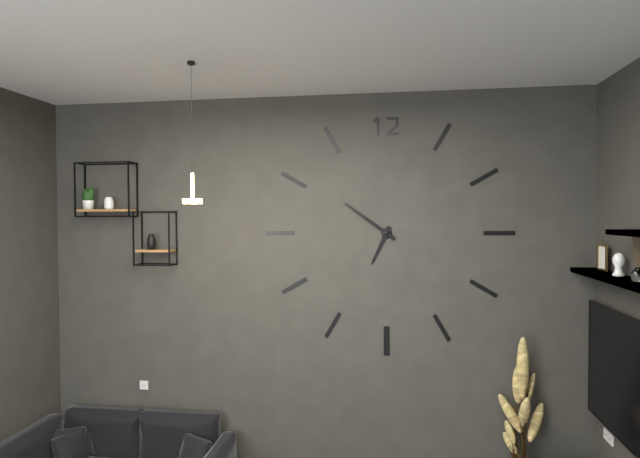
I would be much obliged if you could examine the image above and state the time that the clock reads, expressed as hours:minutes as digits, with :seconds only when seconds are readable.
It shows 6:51
